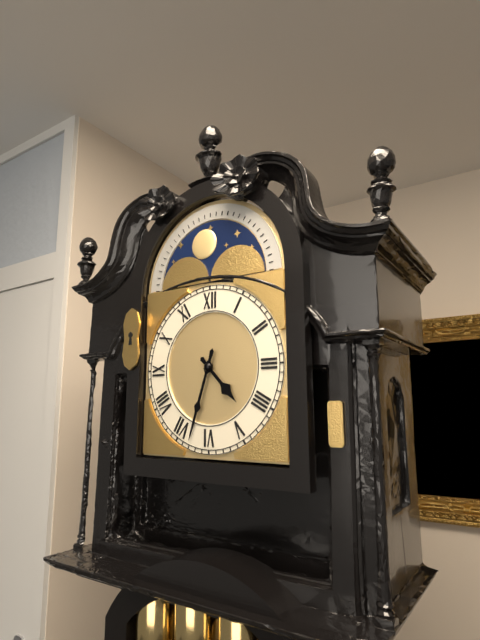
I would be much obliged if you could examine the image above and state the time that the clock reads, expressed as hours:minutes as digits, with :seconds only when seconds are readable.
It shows 4:33
